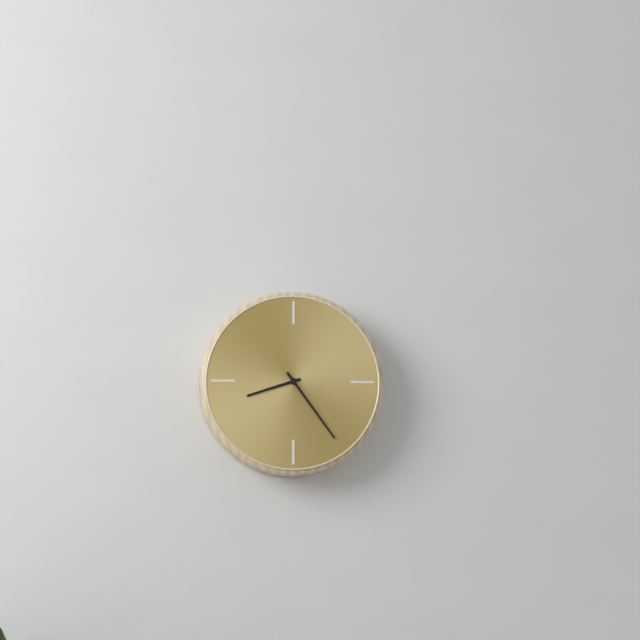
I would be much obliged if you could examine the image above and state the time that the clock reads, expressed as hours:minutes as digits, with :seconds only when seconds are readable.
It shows 8:24
